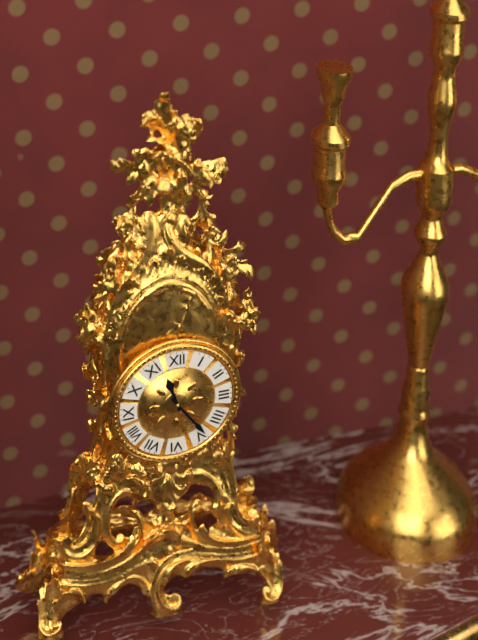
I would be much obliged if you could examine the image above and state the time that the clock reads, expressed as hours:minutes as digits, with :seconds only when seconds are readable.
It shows 11:24
